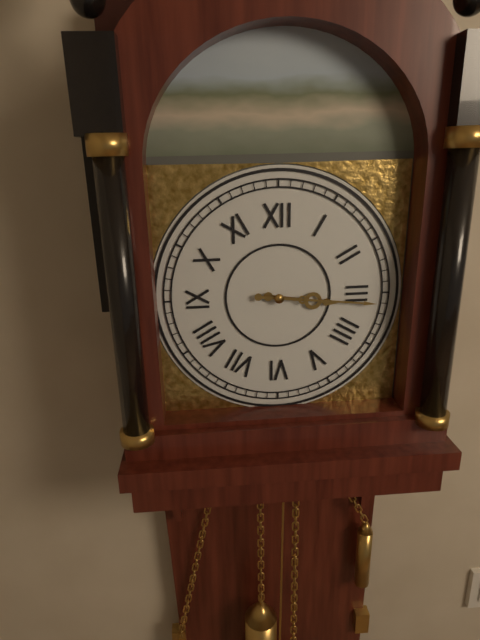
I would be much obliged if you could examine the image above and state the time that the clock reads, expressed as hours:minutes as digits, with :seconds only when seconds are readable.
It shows 3:16
